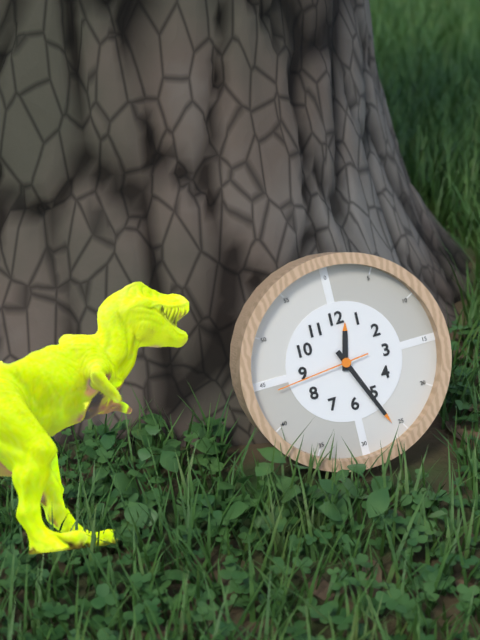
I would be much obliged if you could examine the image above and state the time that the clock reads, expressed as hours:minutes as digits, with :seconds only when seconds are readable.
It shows 12:26:44
